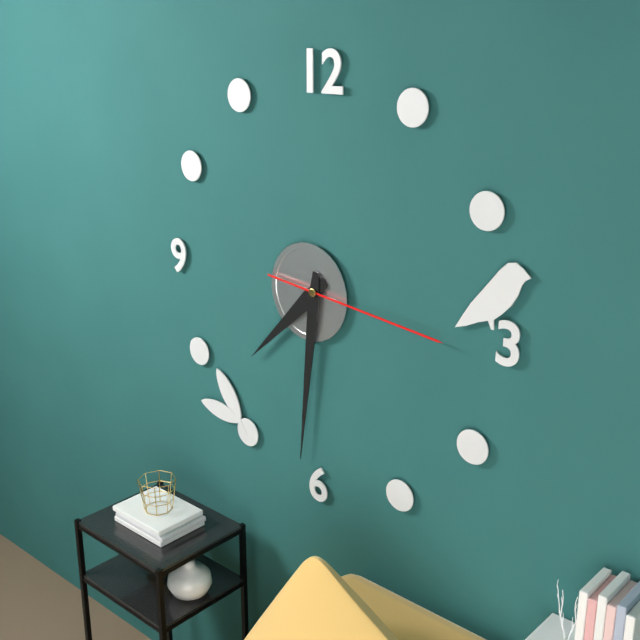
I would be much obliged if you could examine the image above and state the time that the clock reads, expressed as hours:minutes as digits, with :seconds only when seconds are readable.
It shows 7:31:16
